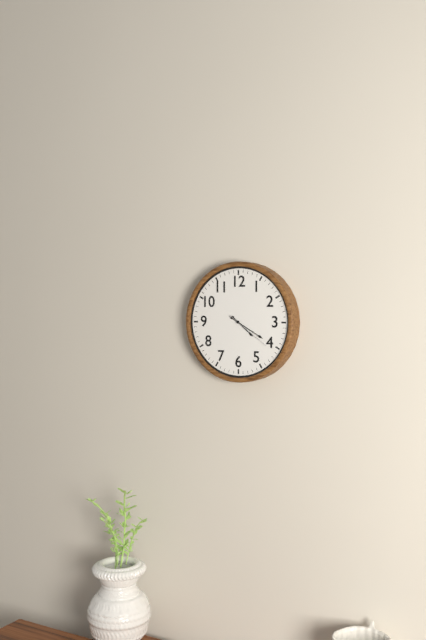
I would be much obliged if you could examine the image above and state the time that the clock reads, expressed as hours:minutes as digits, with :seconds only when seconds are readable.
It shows 4:20
